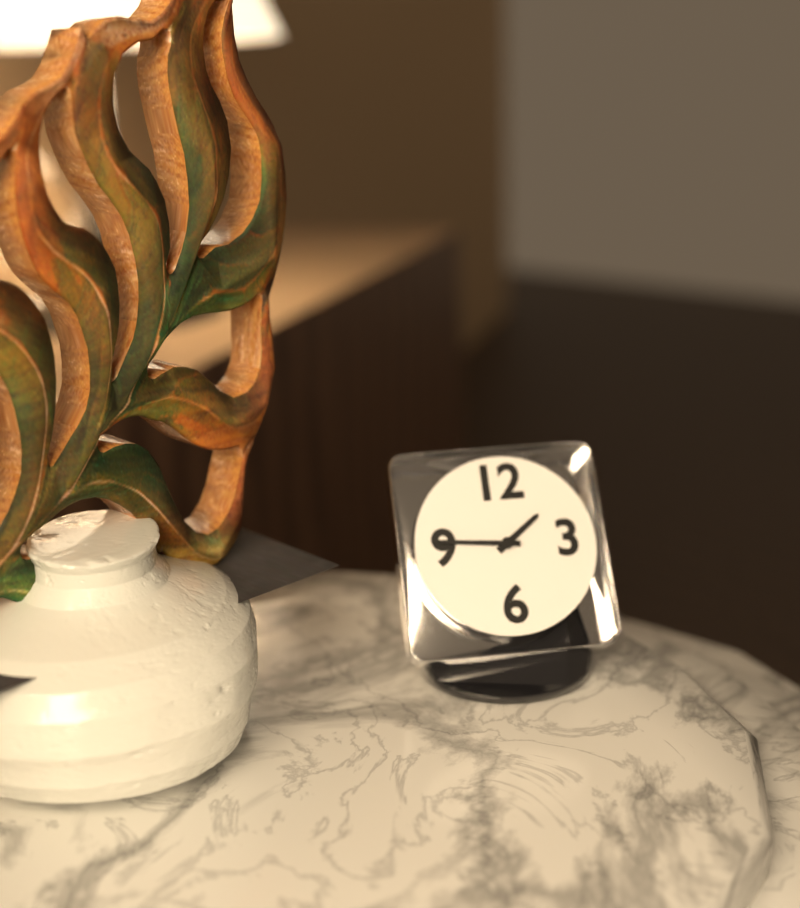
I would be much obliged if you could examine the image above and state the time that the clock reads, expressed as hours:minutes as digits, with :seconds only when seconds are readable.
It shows 1:46
